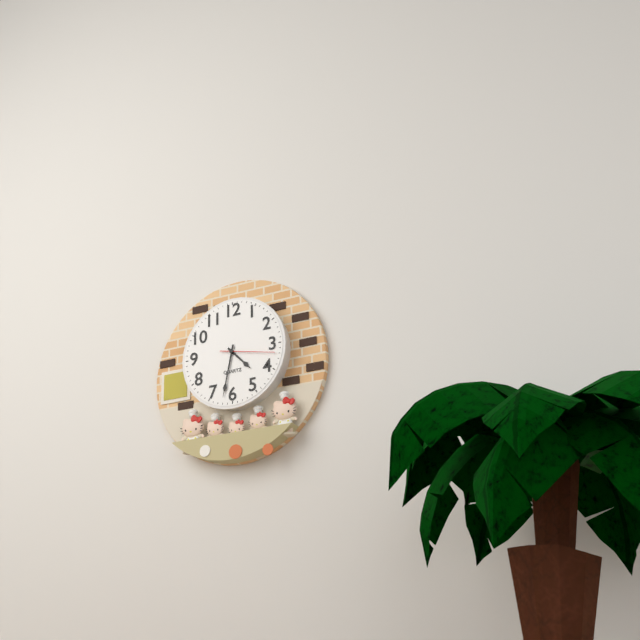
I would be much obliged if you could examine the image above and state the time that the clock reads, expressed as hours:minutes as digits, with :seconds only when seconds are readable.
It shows 4:32:17
